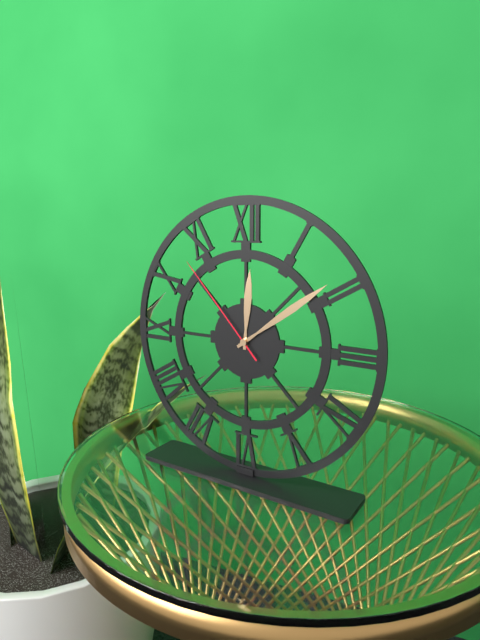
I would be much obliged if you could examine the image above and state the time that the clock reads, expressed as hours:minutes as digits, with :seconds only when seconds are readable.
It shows 12:09:53
